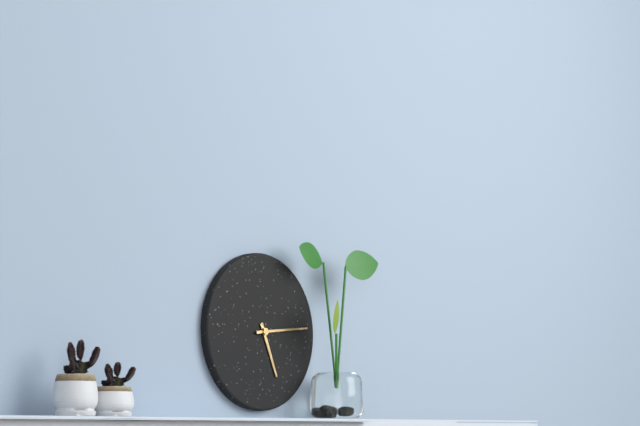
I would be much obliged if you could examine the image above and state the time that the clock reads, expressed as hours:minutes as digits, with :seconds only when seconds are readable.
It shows 5:14
